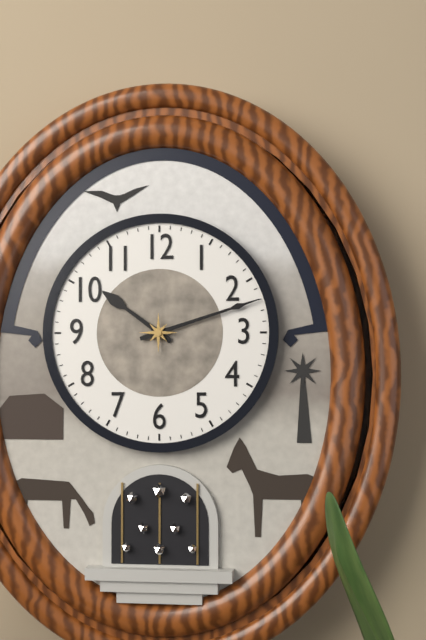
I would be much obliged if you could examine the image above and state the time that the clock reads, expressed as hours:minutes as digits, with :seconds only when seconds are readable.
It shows 10:12
